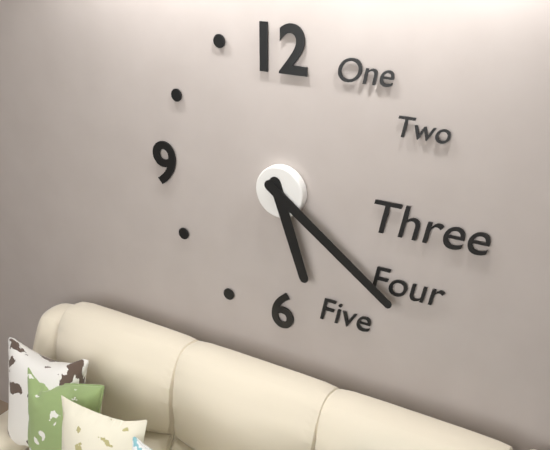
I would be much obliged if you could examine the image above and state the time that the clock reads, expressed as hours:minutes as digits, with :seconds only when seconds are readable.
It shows 5:21
